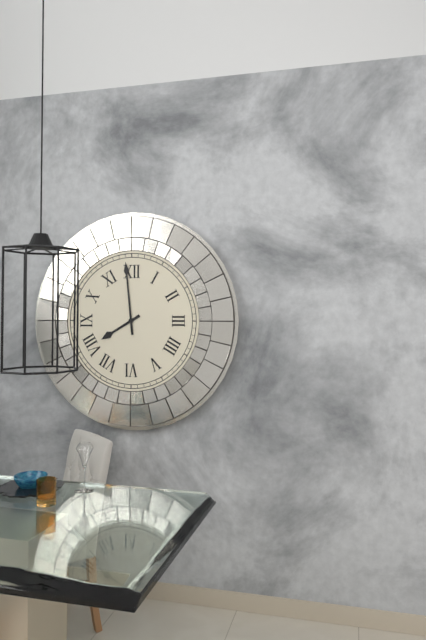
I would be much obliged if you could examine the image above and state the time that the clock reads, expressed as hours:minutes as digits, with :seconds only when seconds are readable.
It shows 7:59
